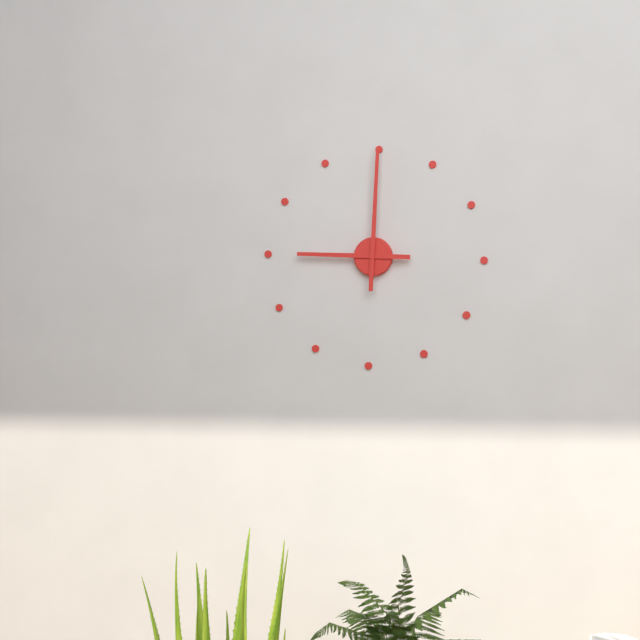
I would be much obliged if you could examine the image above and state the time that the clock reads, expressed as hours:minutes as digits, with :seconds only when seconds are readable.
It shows 9:00
